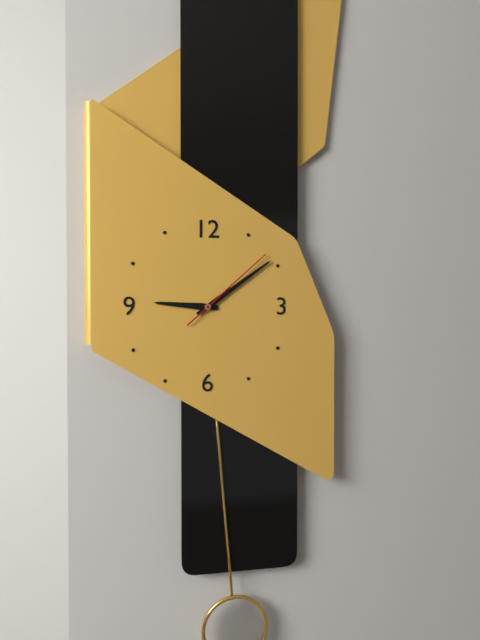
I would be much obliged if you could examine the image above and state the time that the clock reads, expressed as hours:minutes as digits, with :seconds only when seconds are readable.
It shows 9:09:08
